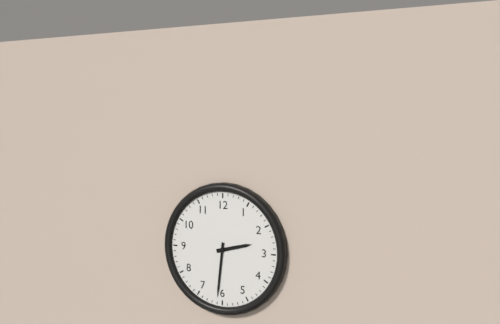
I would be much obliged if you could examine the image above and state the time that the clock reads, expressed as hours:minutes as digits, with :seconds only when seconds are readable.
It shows 2:31
